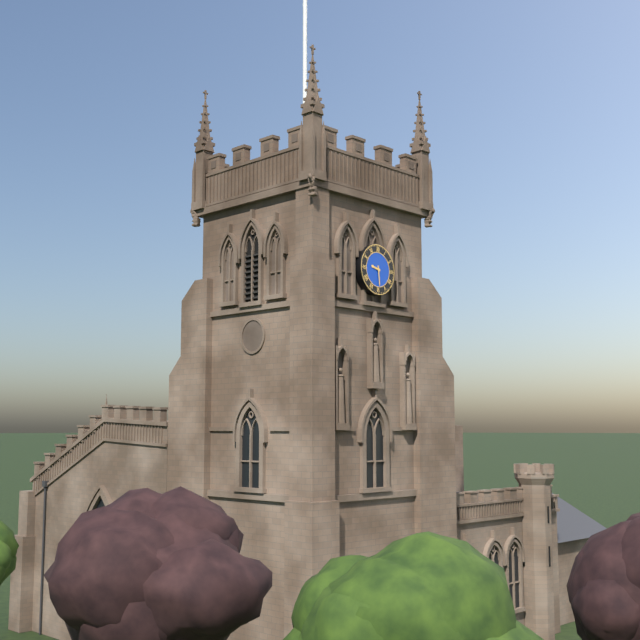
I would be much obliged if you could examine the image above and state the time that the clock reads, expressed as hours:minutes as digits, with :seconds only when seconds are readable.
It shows 9:29
